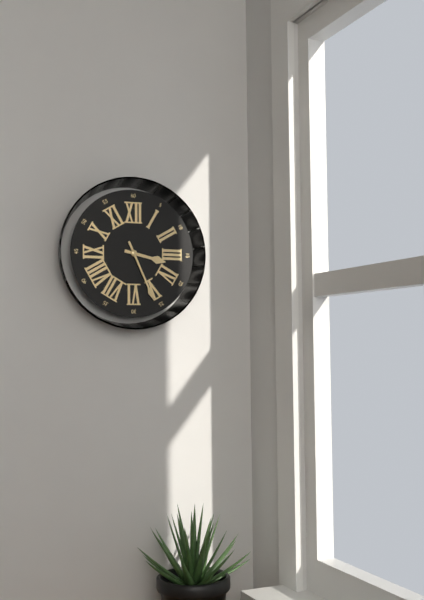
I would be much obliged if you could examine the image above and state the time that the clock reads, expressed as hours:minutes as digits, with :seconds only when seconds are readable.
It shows 3:26
